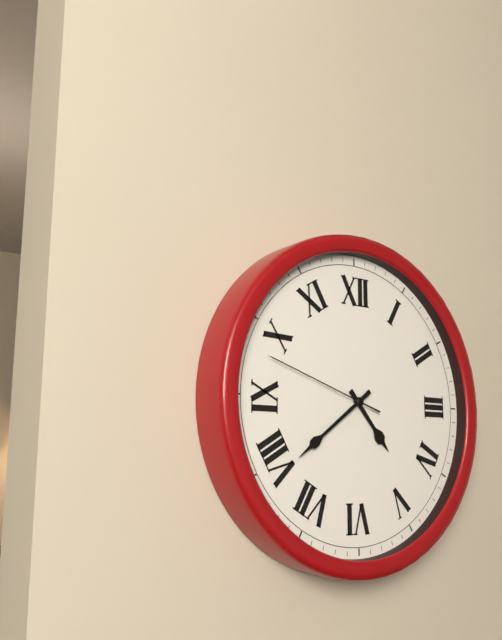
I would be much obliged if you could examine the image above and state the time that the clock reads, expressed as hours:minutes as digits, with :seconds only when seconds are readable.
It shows 4:39:48
